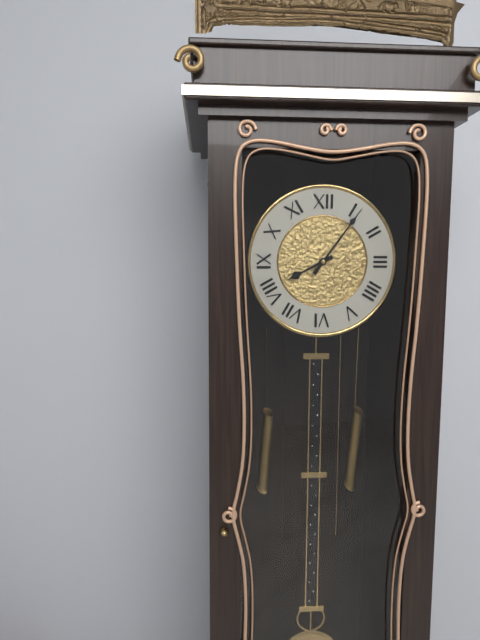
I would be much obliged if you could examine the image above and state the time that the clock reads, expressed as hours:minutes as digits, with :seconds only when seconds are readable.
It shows 8:06
